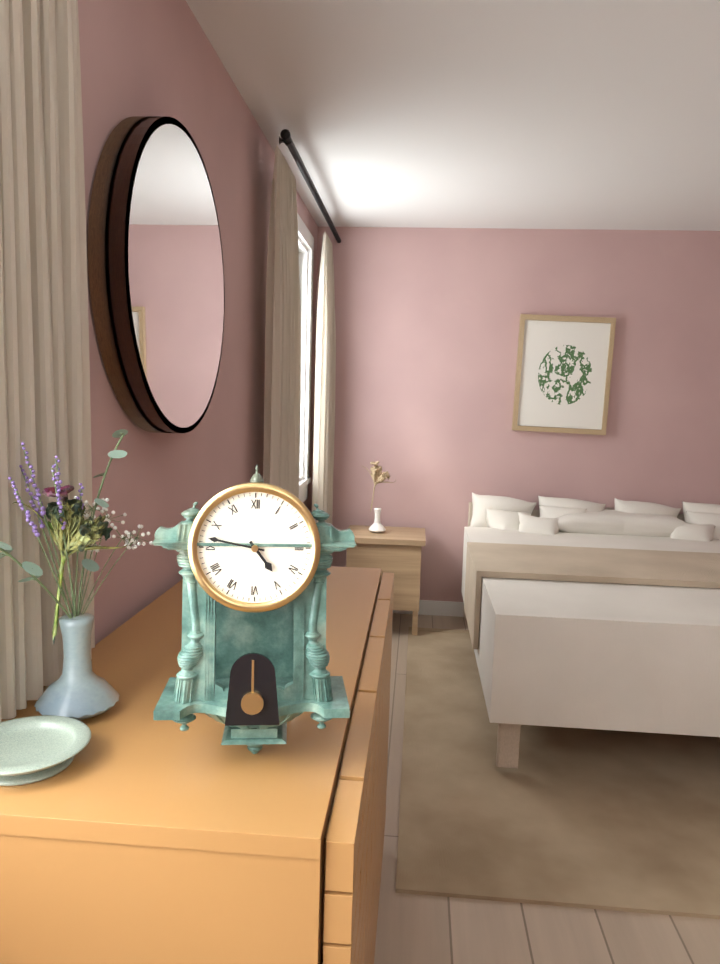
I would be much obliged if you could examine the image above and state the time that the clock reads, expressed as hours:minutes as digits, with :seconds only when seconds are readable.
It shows 4:47
